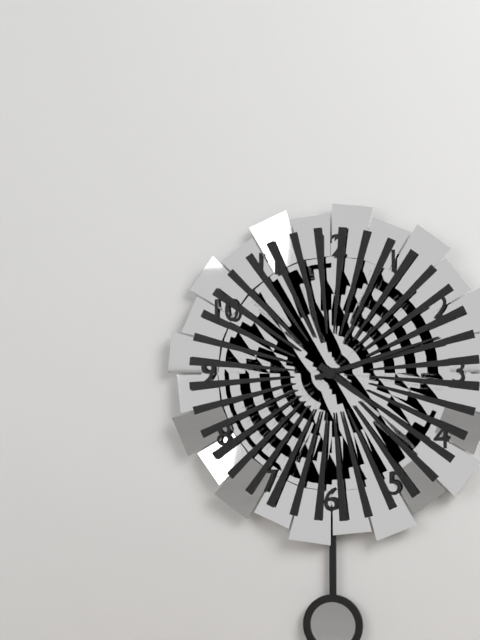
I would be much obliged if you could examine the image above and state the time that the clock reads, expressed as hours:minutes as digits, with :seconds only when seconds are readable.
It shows 4:12
